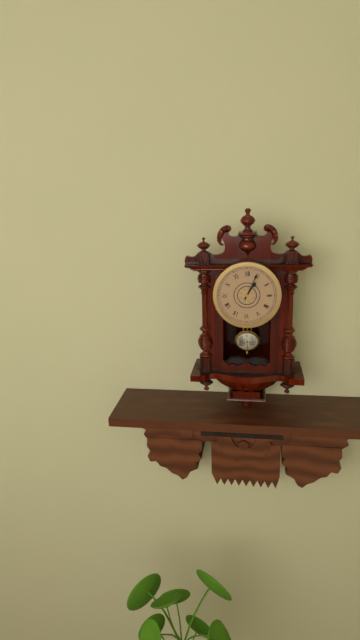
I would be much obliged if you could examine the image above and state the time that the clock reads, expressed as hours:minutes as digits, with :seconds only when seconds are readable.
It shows 1:04
